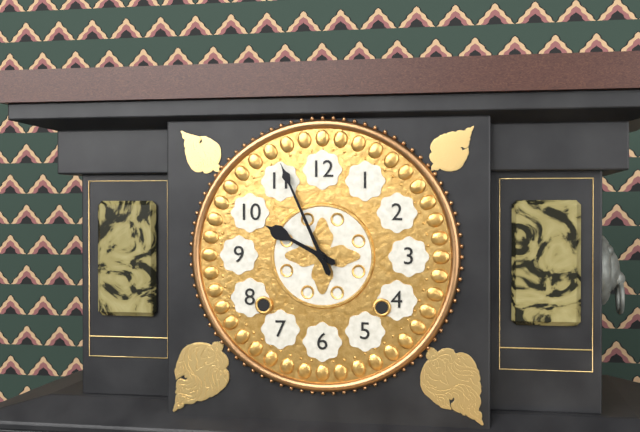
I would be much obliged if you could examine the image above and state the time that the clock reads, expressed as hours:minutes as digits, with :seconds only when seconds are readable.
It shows 9:56
